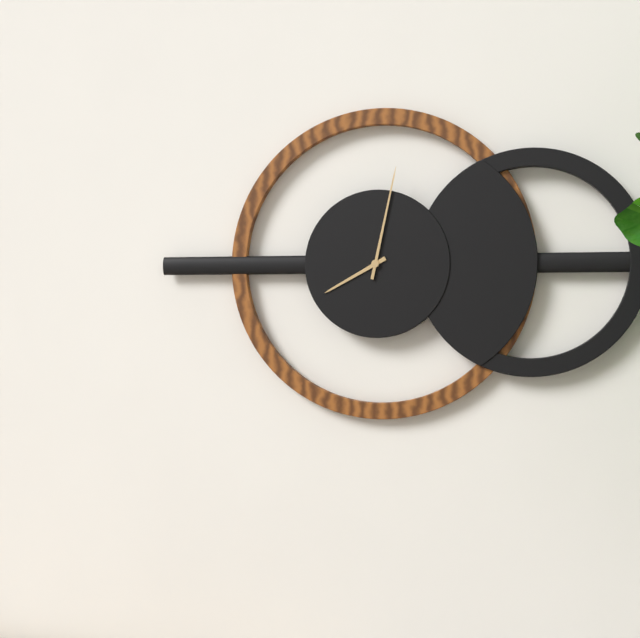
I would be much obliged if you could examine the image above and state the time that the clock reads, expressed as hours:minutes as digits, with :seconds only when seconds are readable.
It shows 8:02
